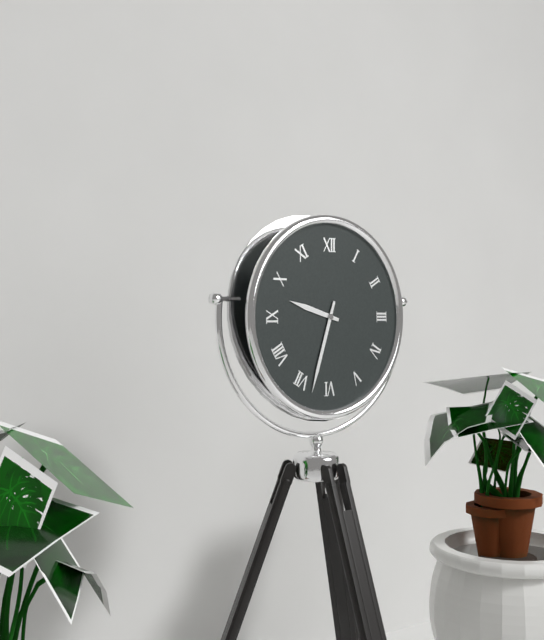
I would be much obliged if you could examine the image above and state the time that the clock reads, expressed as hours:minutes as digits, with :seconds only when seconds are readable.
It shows 9:33
